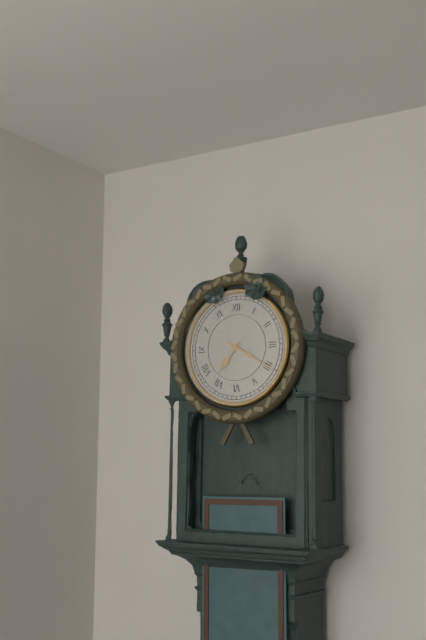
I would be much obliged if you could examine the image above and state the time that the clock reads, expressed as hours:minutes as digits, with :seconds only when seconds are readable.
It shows 7:20
